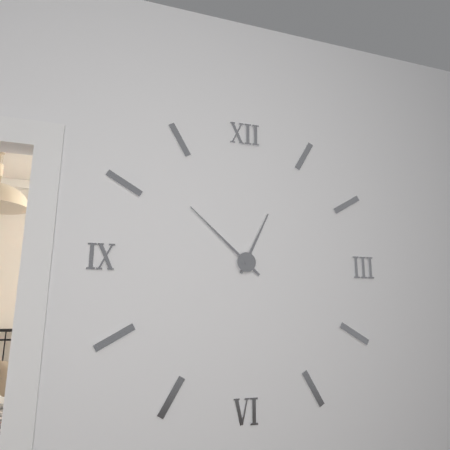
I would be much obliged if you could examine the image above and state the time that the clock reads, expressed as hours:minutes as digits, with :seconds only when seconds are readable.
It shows 12:52
